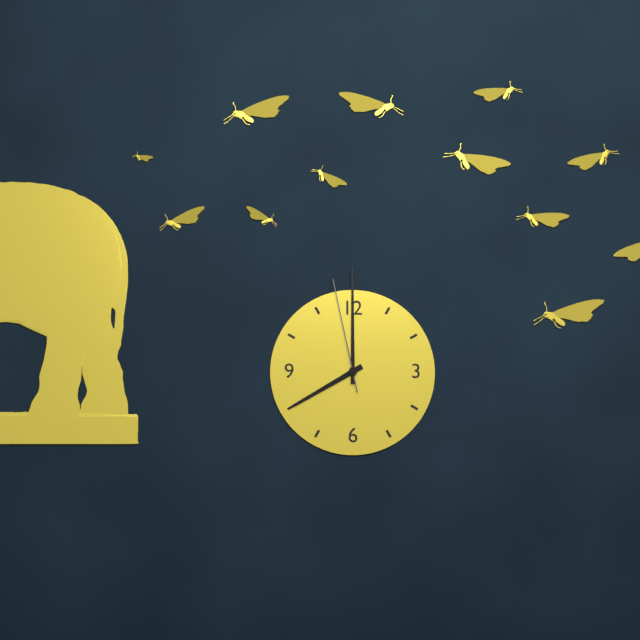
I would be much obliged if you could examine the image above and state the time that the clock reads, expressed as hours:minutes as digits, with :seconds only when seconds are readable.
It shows 8:00:58
